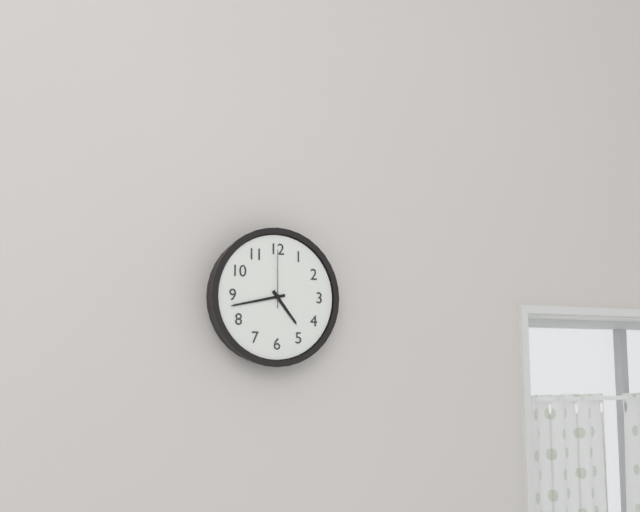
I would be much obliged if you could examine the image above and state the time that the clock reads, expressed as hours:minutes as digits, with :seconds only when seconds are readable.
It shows 4:43:00
